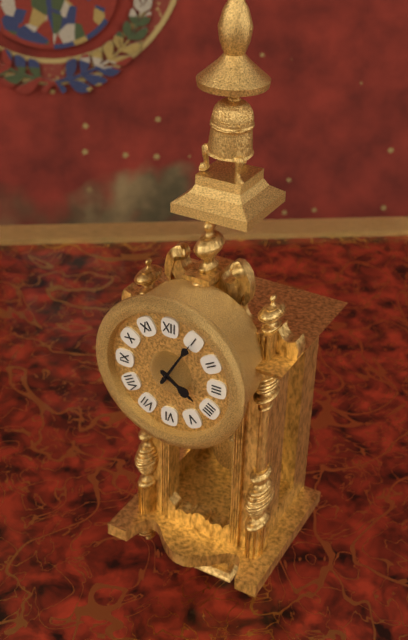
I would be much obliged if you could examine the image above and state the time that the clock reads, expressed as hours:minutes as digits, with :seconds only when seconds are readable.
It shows 4:05
